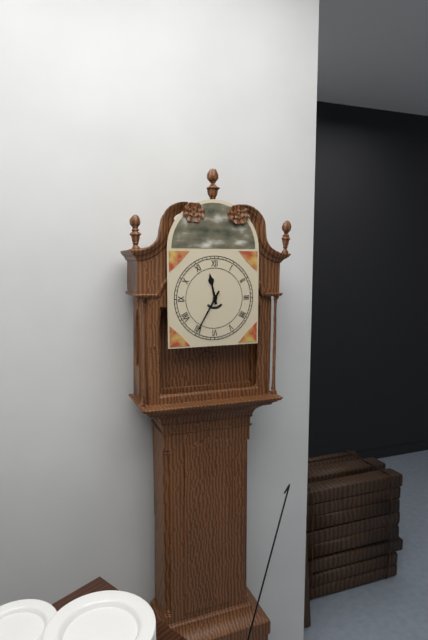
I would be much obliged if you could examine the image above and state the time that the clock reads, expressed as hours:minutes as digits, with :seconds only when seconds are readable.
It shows 11:35
